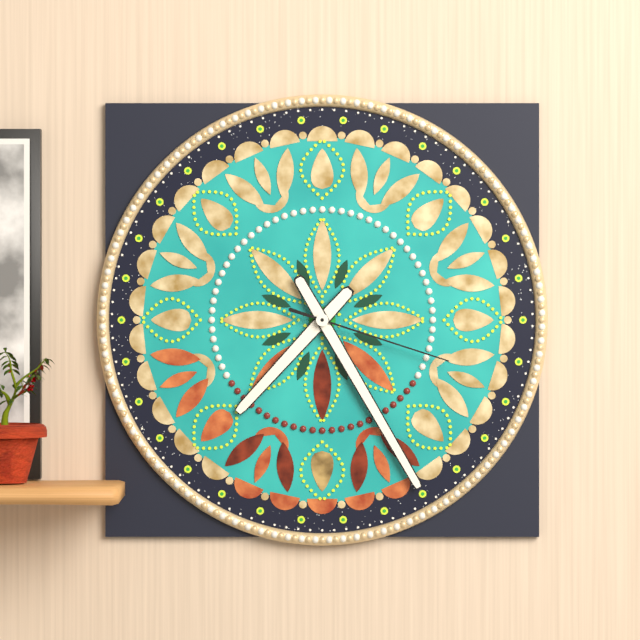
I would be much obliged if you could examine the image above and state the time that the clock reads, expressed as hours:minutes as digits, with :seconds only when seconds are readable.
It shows 7:25:18
